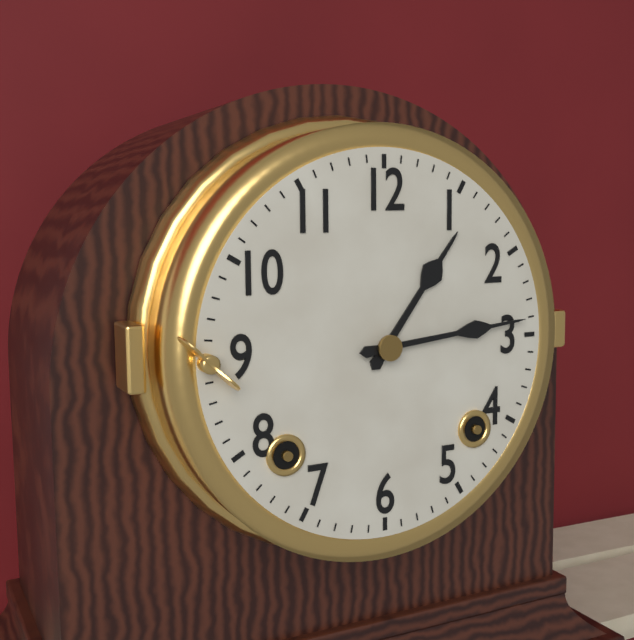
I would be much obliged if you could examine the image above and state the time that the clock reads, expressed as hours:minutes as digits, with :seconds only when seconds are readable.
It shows 1:14
